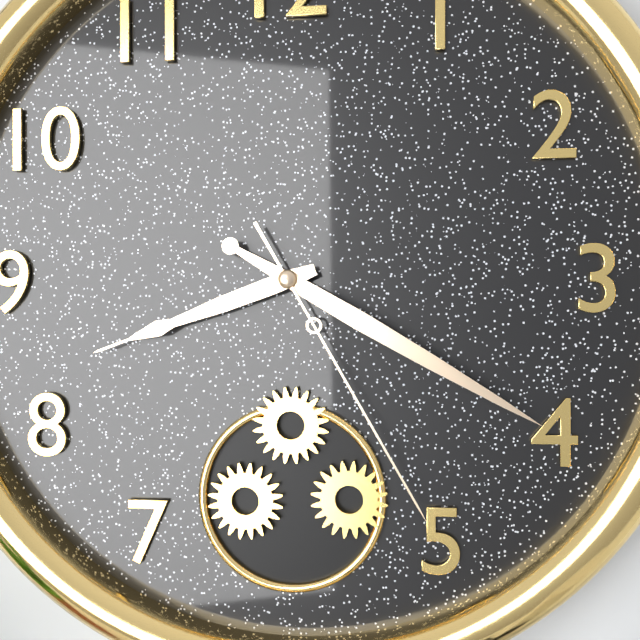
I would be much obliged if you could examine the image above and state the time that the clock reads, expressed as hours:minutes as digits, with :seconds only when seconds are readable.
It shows 8:20:25
